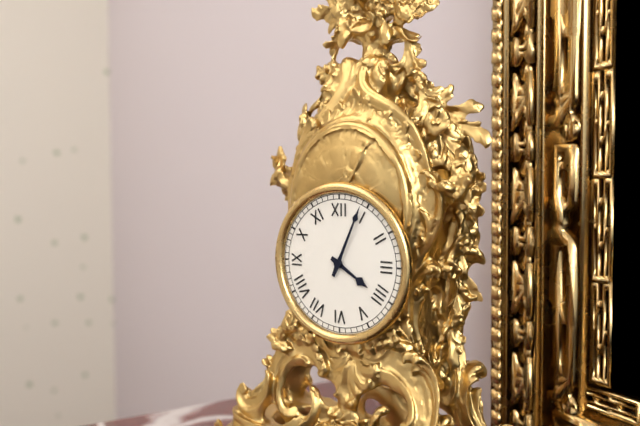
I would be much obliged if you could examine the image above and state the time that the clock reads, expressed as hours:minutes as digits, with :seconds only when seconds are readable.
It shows 4:04
